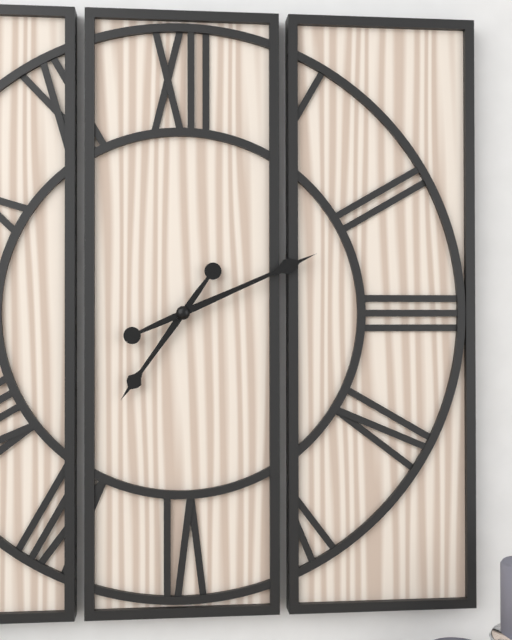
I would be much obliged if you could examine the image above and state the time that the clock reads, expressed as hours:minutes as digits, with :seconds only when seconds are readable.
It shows 7:11
